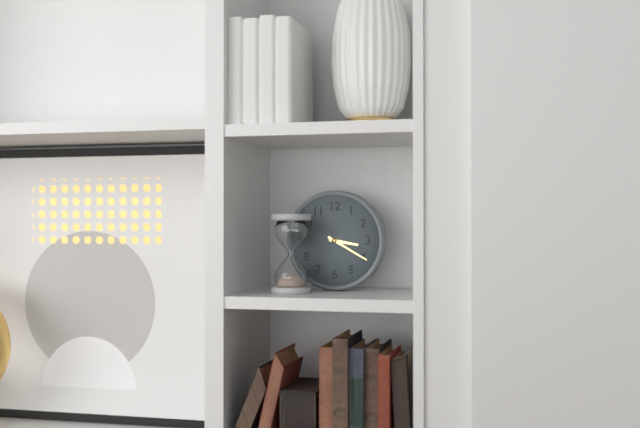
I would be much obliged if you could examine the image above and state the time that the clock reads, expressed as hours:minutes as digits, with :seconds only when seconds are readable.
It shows 3:20
